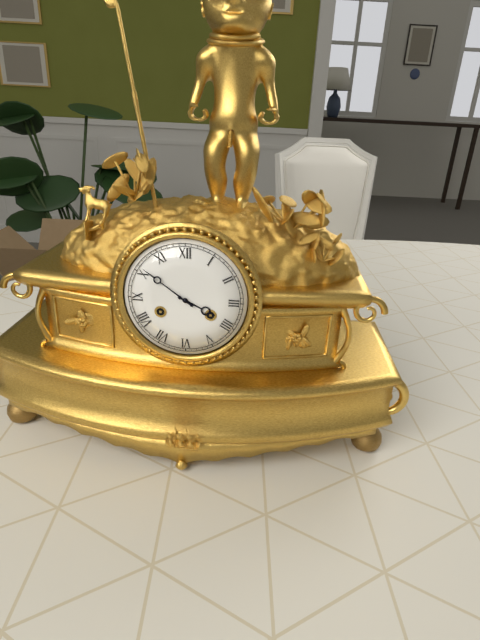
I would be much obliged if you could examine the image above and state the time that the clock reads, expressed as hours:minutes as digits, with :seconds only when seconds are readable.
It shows 3:51
